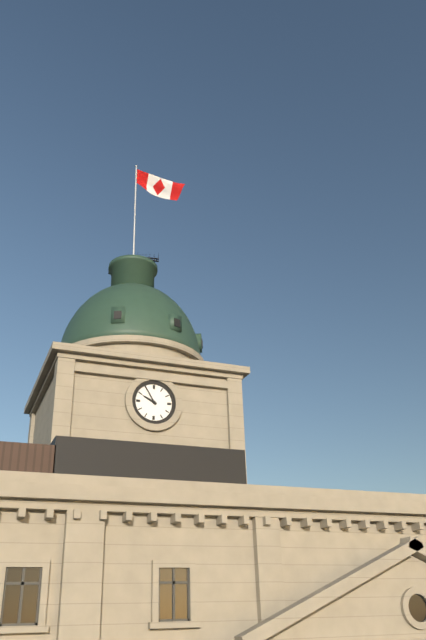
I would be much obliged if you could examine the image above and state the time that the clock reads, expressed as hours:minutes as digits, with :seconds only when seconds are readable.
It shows 9:55
